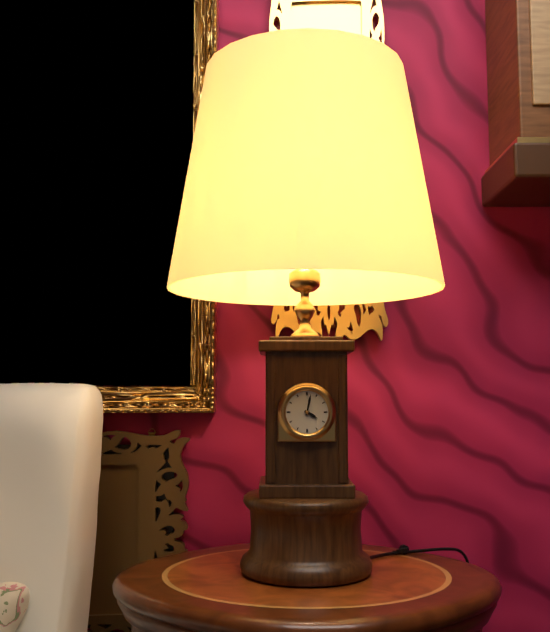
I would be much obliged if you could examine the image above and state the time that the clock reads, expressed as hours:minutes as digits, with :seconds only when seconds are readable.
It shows 4:02
